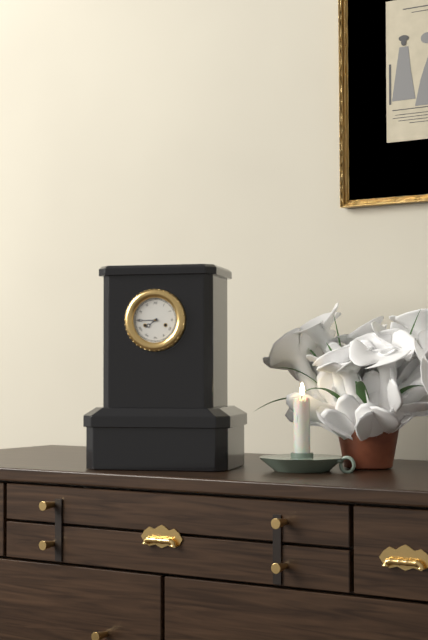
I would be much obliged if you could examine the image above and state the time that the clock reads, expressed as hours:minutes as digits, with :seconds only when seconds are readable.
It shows 7:45
